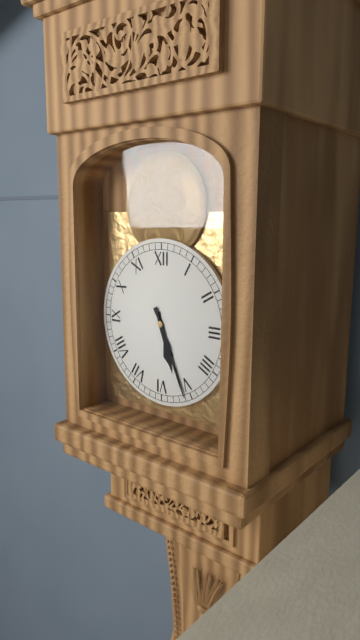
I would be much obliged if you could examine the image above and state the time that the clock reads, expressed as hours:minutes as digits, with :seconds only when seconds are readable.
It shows 5:26
